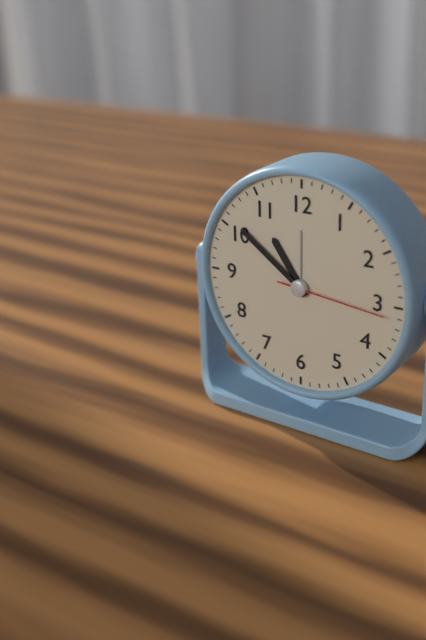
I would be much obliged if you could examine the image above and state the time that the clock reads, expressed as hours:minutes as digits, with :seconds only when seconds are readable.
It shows 10:51:16
